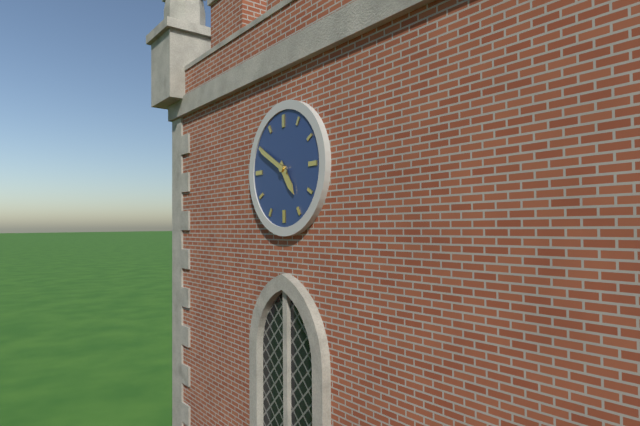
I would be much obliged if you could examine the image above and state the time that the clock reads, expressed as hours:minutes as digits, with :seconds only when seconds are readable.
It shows 4:50
